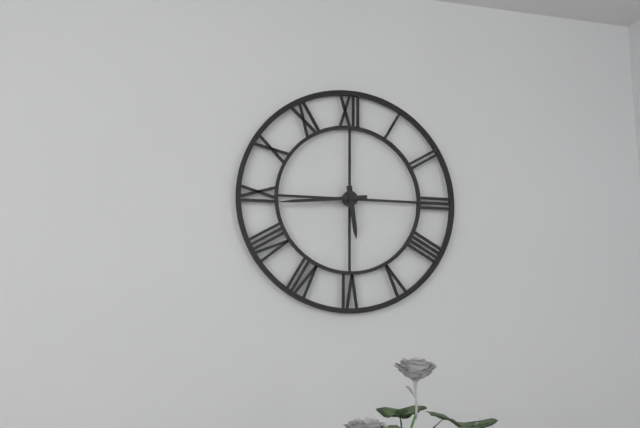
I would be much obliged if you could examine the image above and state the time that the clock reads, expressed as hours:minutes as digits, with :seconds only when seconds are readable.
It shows 5:44
